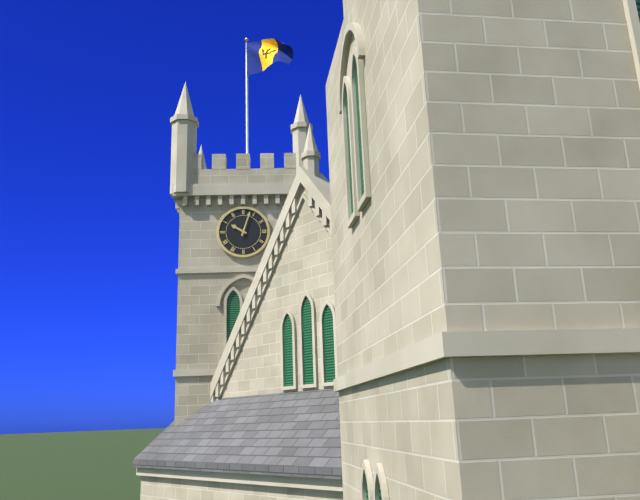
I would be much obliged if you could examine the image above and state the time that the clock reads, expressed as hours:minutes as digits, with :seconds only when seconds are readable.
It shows 10:03
